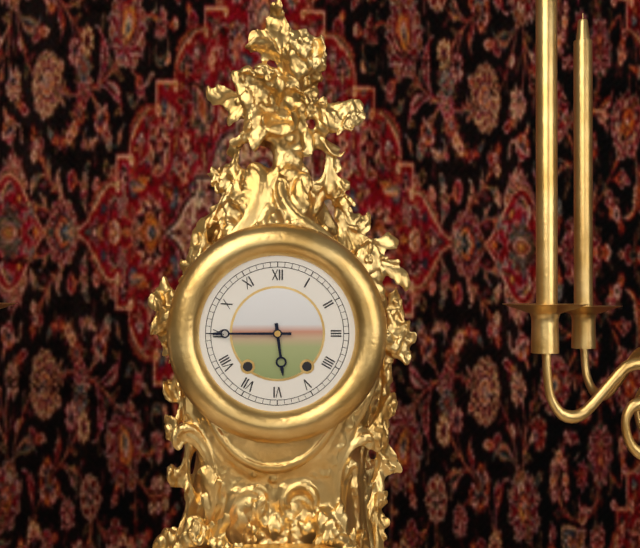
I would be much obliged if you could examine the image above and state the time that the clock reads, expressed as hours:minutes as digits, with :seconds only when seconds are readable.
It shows 5:45
